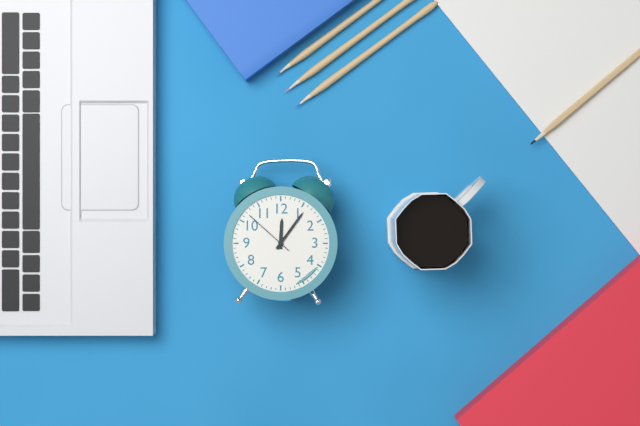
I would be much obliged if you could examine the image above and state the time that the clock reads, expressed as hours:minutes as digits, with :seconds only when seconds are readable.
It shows 12:06:52
